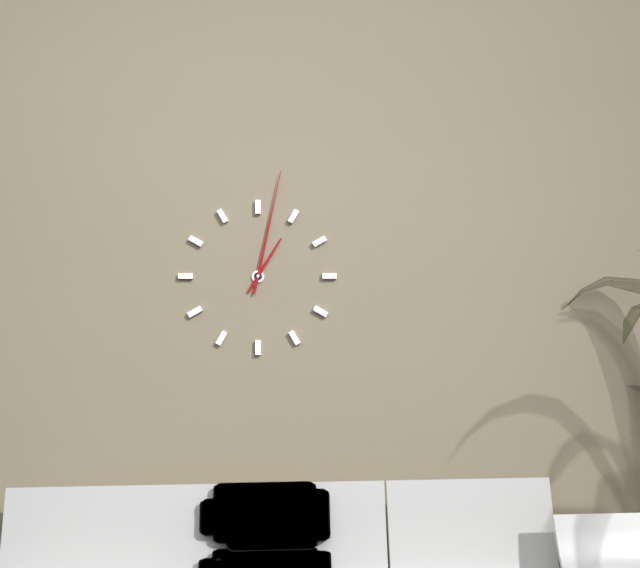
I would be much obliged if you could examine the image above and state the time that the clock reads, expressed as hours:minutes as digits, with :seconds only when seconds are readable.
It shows 1:02
